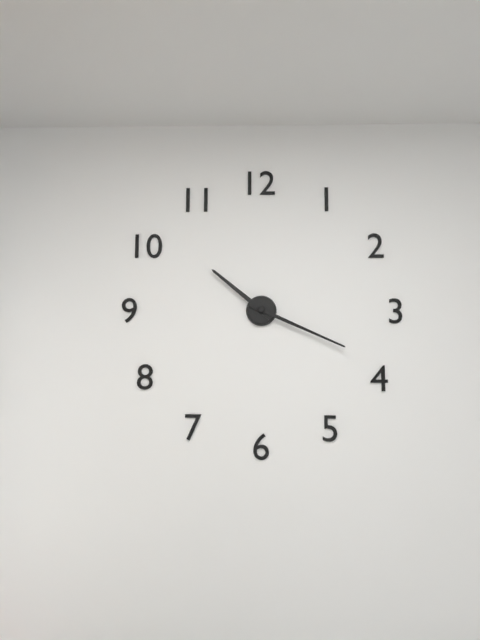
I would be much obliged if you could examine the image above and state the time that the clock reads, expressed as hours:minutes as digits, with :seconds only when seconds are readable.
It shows 10:19
